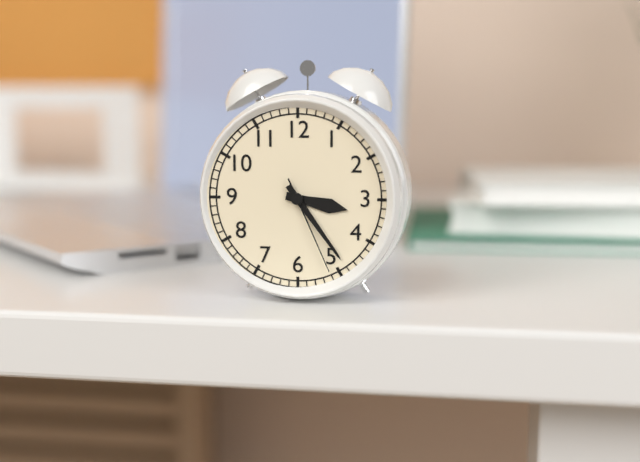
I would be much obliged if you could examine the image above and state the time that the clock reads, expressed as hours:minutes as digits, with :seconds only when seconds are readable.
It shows 3:24:26
